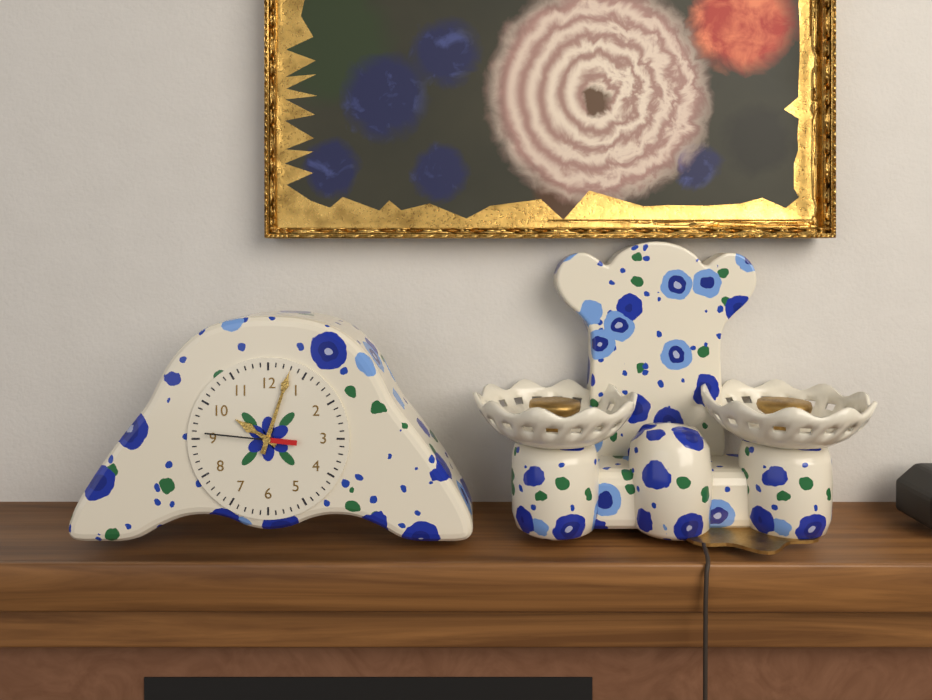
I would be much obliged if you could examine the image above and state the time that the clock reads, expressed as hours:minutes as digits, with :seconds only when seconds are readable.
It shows 10:03:46
